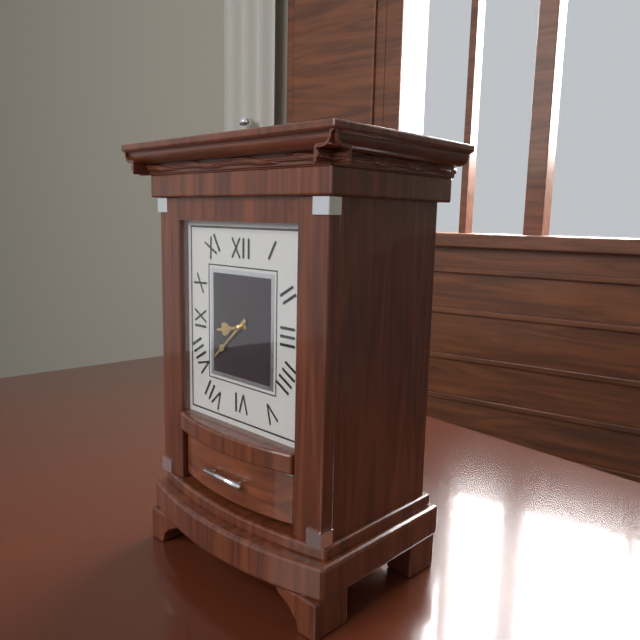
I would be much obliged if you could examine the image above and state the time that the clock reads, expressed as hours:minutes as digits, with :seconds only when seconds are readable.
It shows 8:38
